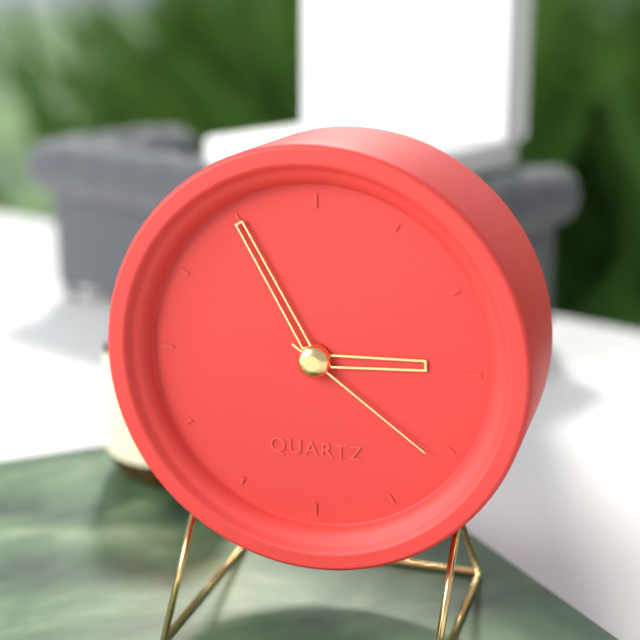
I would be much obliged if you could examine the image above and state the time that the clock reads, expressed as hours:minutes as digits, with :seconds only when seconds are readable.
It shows 2:55:21
